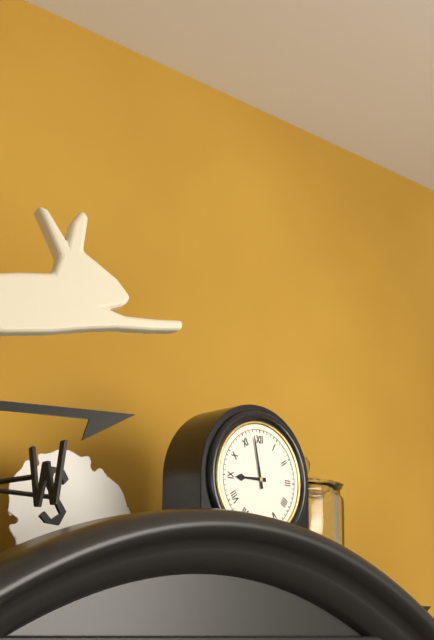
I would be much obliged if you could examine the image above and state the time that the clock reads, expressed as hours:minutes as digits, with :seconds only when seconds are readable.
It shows 8:58
